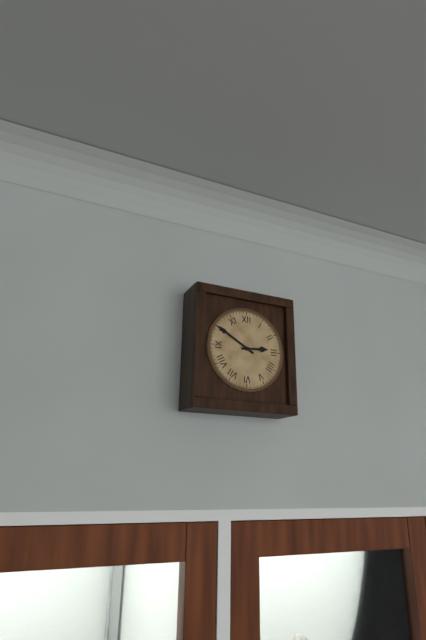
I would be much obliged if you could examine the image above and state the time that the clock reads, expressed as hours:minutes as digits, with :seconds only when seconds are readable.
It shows 2:50
